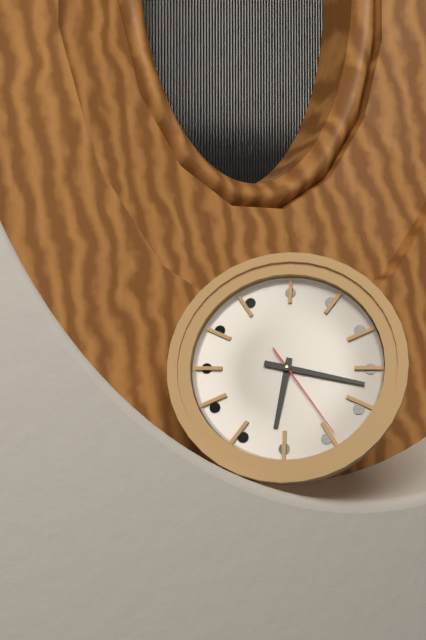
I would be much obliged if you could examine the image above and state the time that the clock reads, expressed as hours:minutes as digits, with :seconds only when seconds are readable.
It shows 6:17:24
